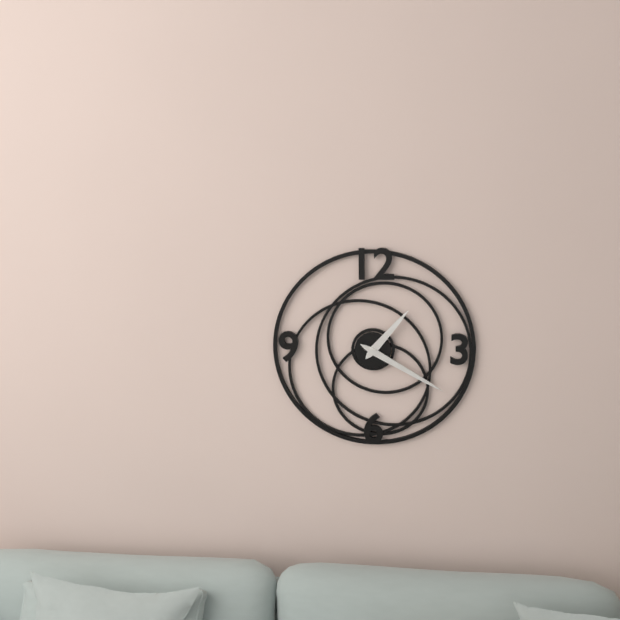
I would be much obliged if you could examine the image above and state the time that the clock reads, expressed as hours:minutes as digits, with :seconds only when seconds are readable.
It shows 1:20
